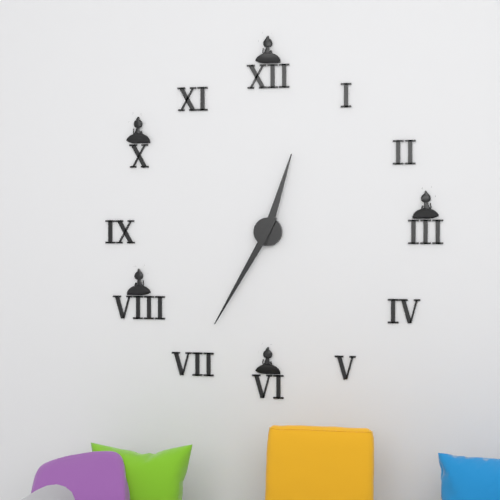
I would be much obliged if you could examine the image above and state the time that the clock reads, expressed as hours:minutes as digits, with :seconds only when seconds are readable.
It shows 12:35
